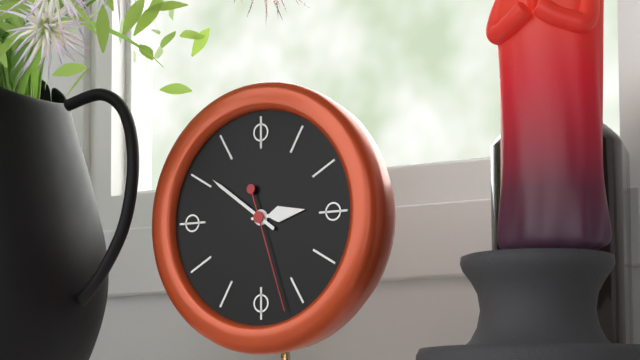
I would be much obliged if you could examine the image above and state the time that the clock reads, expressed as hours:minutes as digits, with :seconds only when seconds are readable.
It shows 2:51:27
